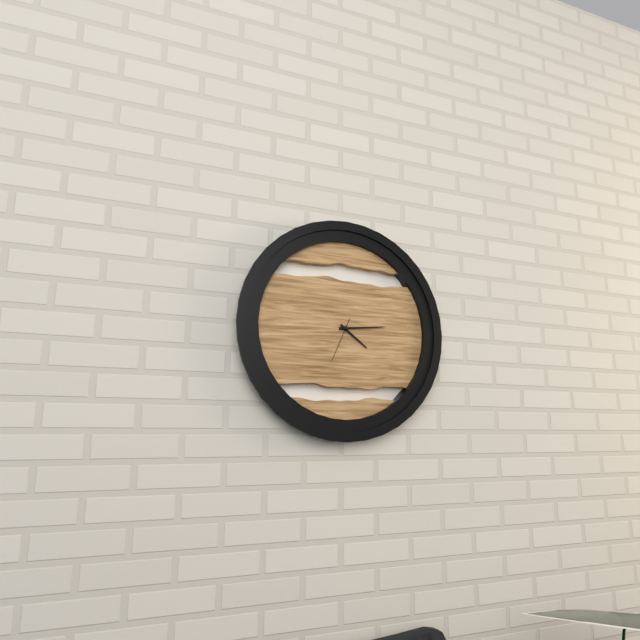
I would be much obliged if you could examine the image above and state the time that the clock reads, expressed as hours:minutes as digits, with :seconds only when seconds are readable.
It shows 4:14
